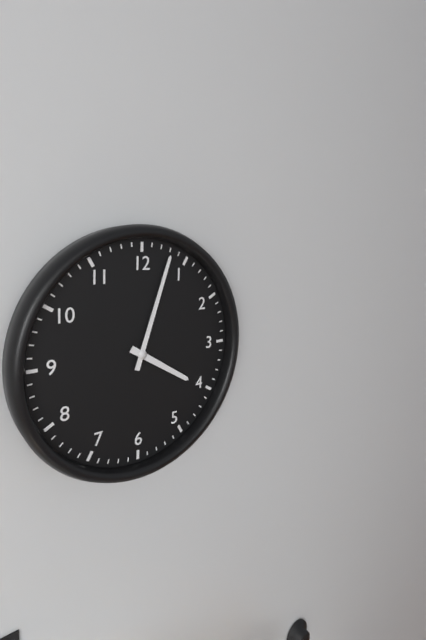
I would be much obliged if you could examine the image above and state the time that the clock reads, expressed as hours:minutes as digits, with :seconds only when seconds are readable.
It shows 4:03
